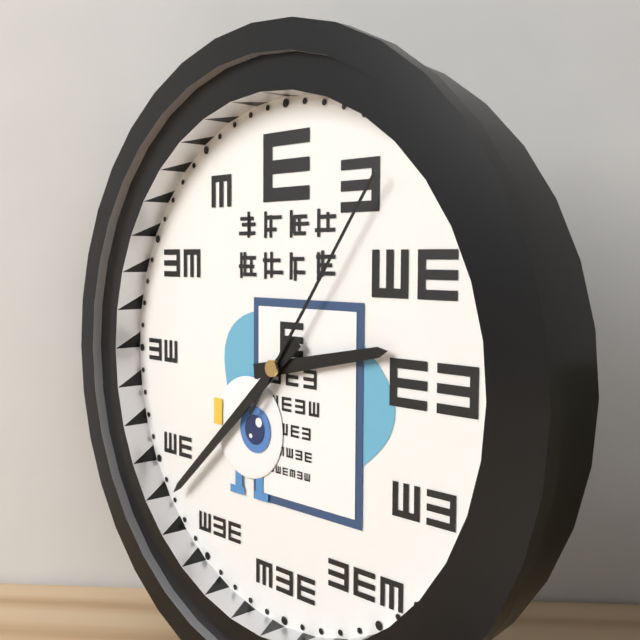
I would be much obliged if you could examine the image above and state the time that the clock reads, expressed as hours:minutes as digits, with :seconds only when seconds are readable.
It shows 2:38:06
